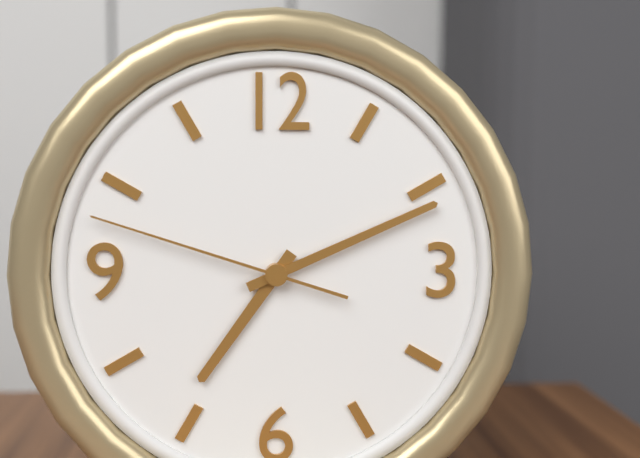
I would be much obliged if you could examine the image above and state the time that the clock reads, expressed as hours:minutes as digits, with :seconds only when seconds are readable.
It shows 7:11:48
